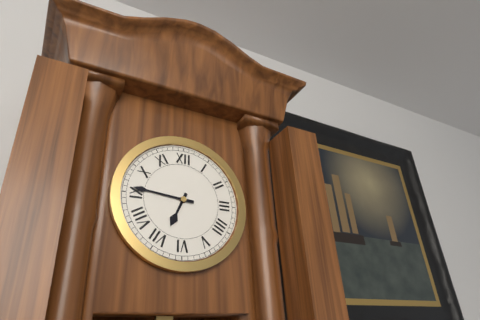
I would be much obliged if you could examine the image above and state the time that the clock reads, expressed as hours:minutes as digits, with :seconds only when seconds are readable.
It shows 6:46
